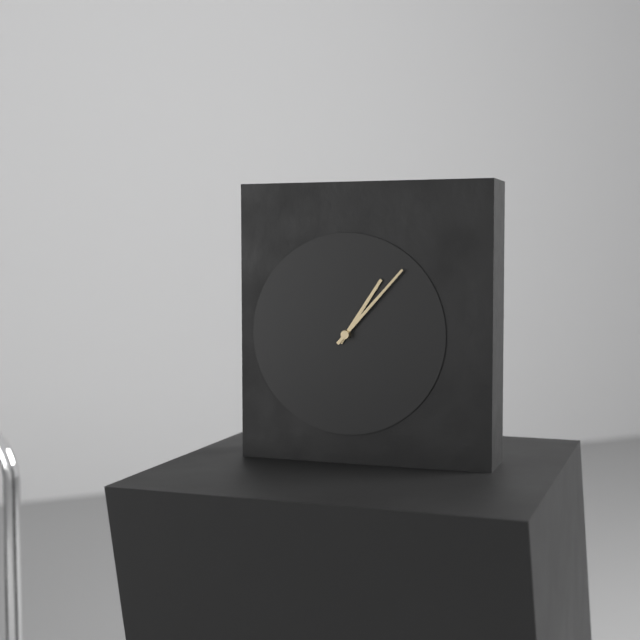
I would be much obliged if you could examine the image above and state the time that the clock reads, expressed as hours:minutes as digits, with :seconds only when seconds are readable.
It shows 1:07
